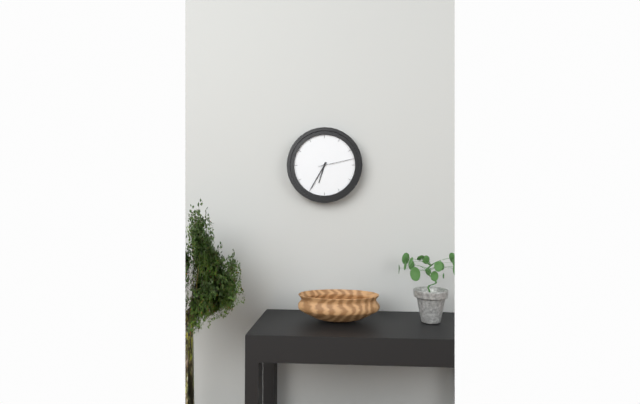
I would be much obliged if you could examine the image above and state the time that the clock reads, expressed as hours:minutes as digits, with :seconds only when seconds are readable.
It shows 6:35
